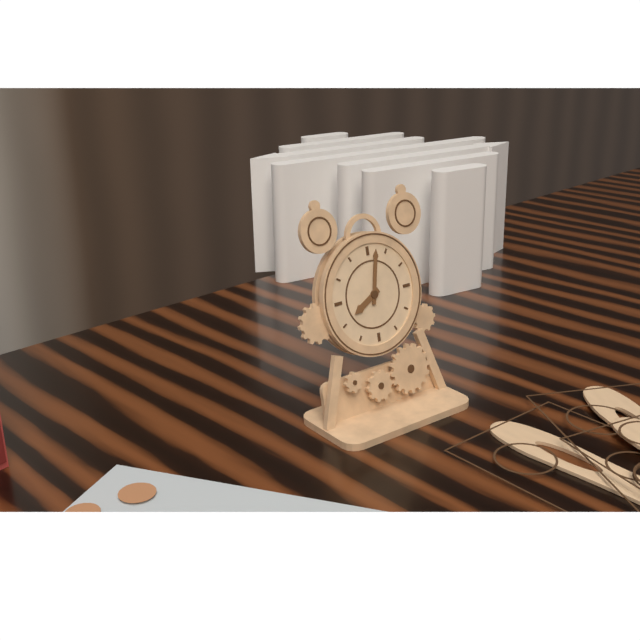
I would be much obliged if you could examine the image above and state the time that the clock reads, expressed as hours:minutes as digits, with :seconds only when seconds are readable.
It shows 8:02
